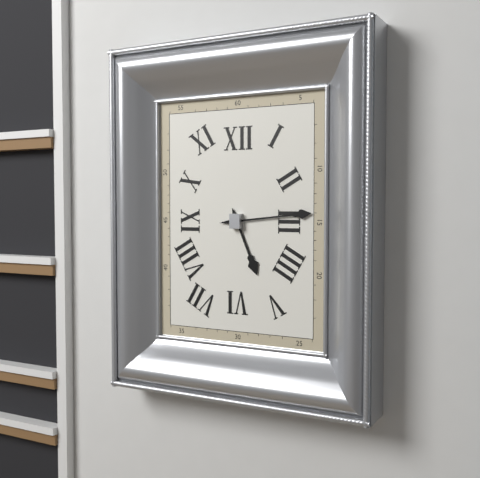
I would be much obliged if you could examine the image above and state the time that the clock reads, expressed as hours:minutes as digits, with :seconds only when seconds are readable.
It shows 5:14
